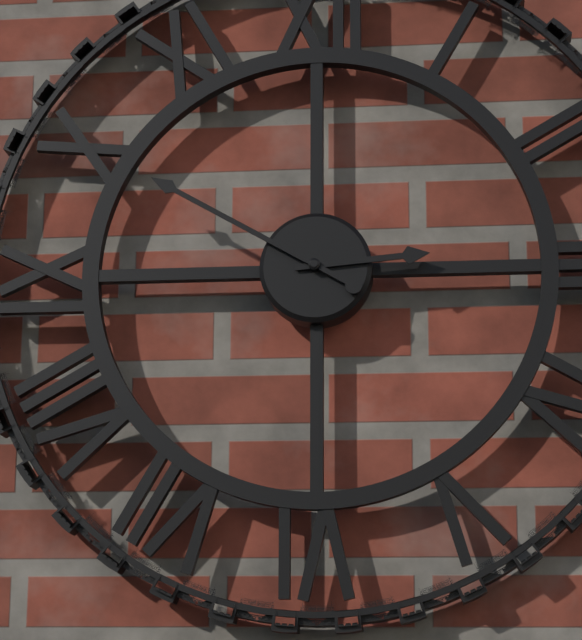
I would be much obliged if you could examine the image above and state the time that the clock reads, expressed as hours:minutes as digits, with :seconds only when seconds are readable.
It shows 2:50
